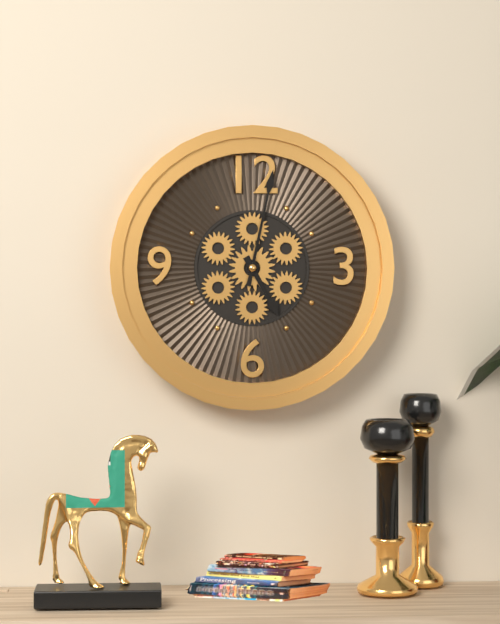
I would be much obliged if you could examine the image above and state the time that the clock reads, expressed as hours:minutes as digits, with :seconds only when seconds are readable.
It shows 5:02
